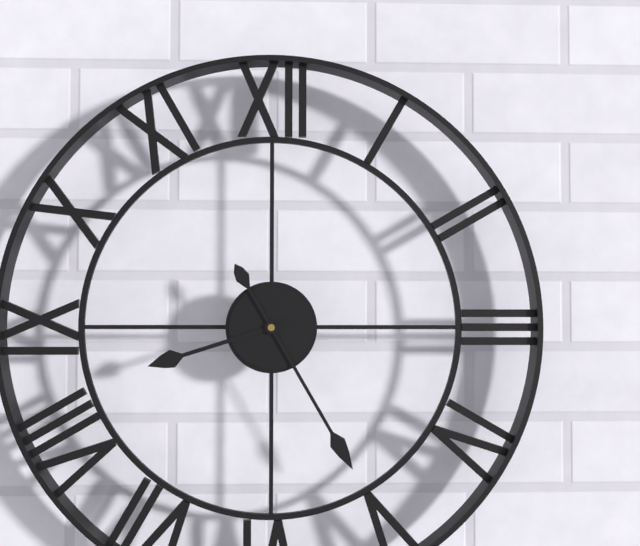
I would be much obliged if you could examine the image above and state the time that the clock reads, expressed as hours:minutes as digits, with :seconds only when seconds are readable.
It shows 8:25
